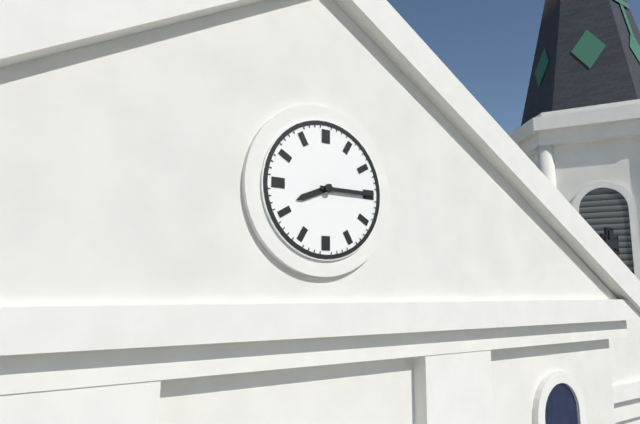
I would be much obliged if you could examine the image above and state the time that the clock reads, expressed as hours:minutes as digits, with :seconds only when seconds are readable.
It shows 8:15
